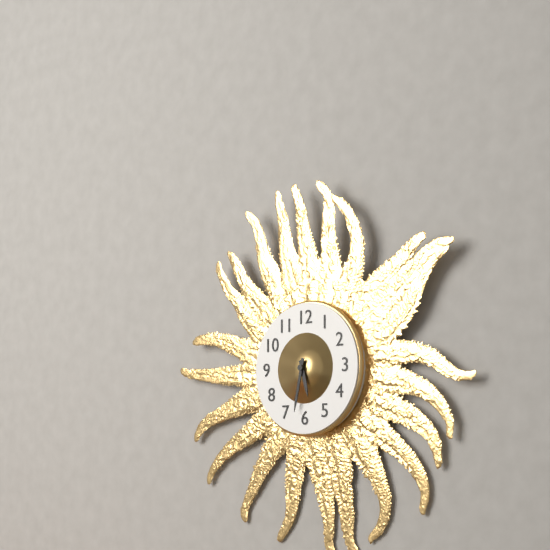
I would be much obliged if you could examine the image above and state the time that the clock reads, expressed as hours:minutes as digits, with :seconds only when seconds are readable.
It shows 5:32
